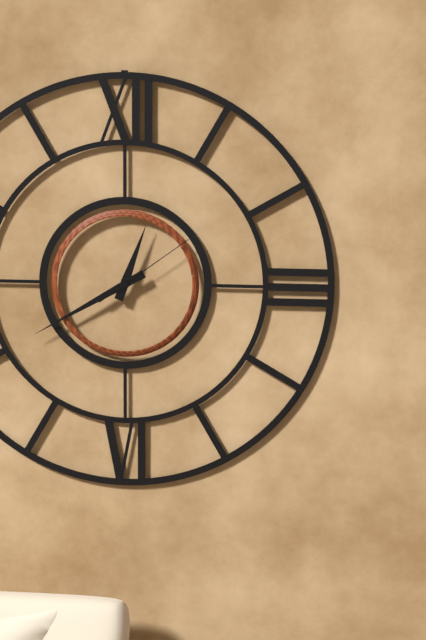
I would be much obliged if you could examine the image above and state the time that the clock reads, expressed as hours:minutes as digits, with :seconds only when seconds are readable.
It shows 12:40:09
